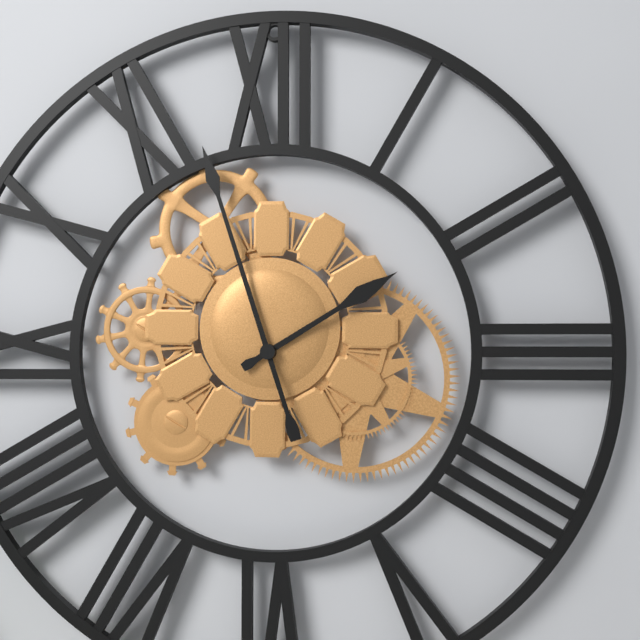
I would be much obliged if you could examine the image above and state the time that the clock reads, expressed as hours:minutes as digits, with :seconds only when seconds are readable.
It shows 1:57
